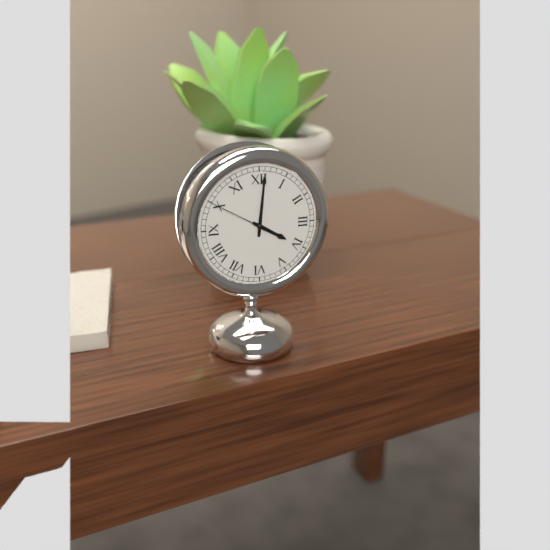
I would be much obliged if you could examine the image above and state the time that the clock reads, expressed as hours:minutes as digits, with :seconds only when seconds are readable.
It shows 4:01:50
